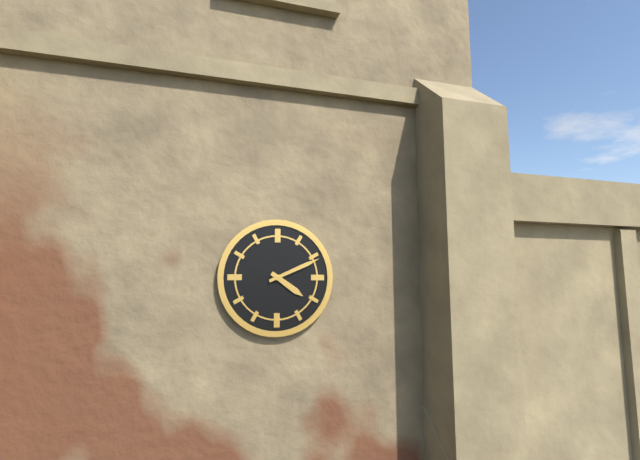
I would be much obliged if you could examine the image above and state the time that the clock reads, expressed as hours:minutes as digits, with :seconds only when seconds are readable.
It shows 4:11
